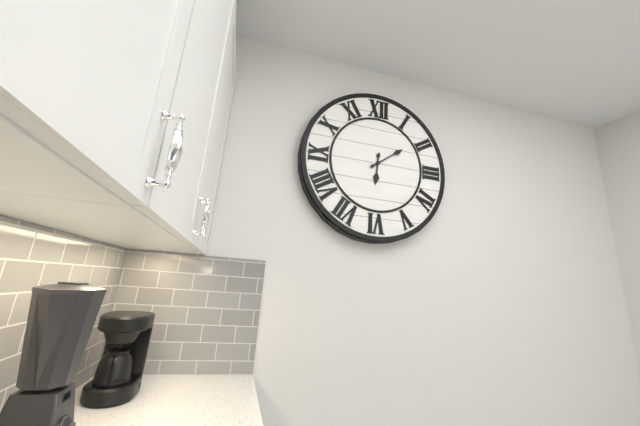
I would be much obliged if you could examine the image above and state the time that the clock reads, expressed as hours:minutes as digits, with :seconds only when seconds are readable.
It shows 6:09
